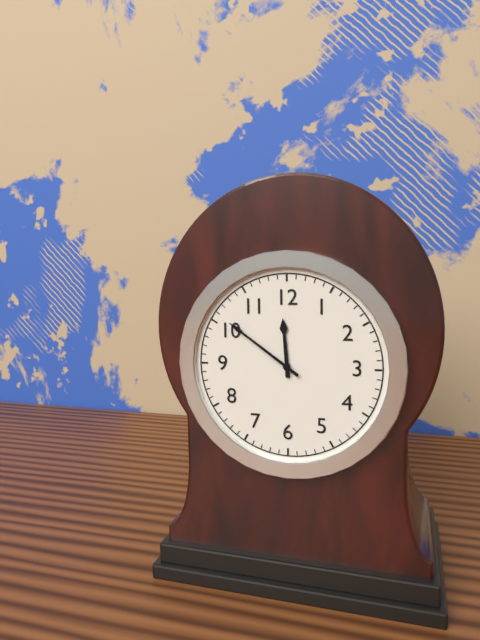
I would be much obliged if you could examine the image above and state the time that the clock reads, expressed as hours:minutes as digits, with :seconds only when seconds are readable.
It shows 11:51
